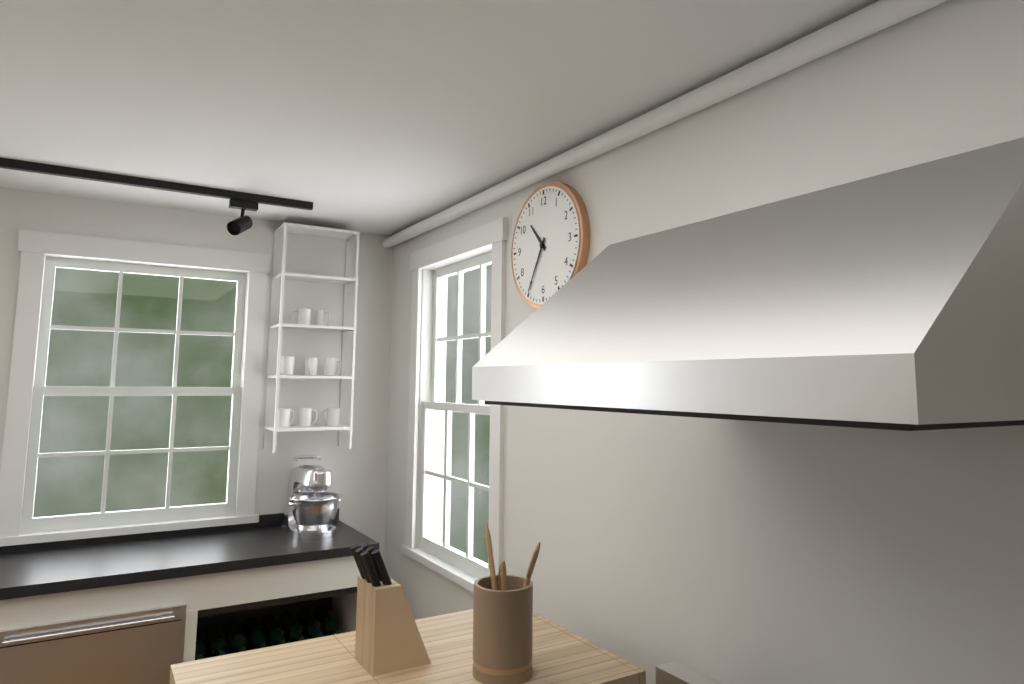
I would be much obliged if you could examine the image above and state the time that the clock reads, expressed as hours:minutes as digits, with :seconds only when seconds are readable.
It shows 10:35
